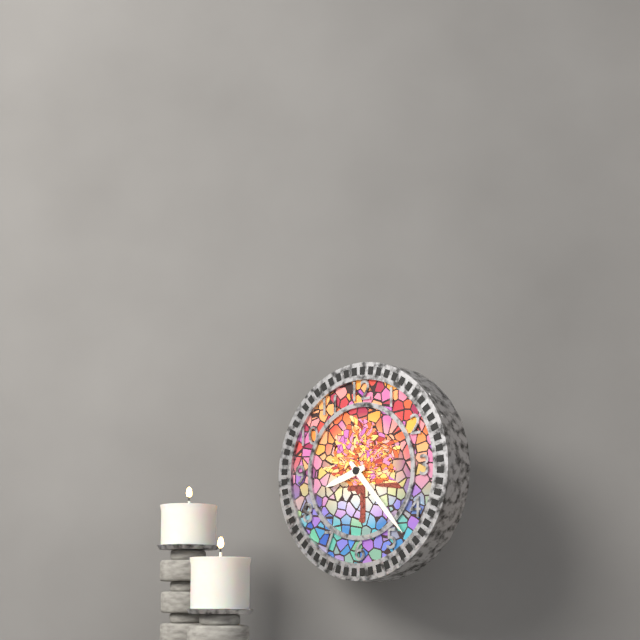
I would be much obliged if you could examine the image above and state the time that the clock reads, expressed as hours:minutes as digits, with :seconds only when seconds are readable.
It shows 8:23
